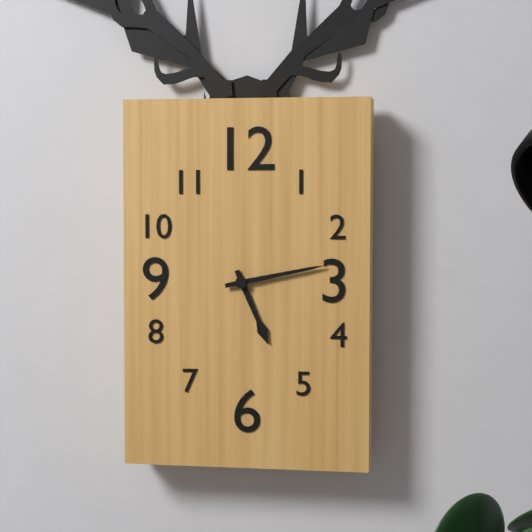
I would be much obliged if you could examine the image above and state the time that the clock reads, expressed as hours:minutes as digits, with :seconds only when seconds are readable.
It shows 5:13
